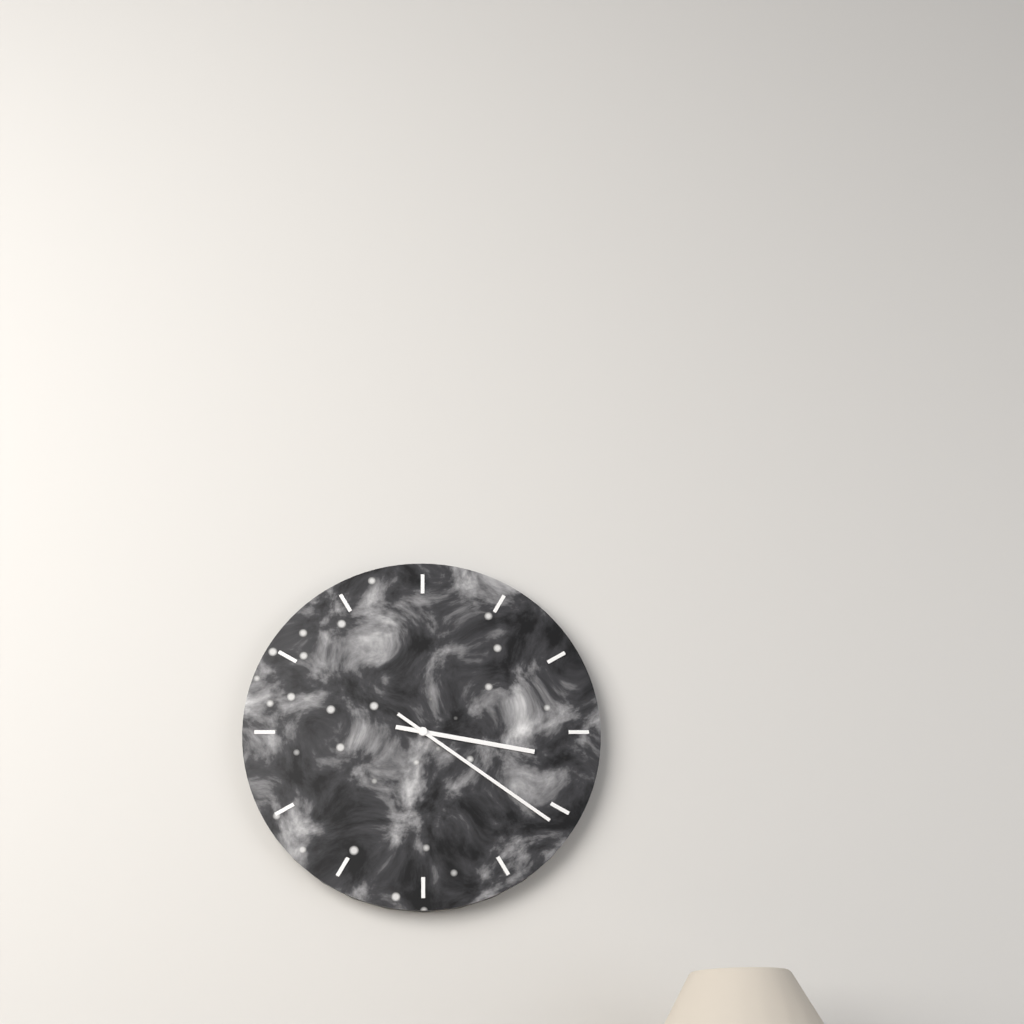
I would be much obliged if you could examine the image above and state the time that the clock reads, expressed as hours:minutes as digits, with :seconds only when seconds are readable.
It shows 3:21
